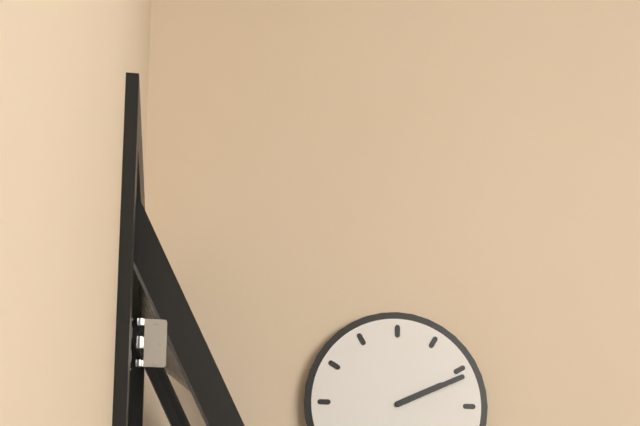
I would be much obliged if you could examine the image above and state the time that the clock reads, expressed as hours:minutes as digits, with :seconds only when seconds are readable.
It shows 2:11
